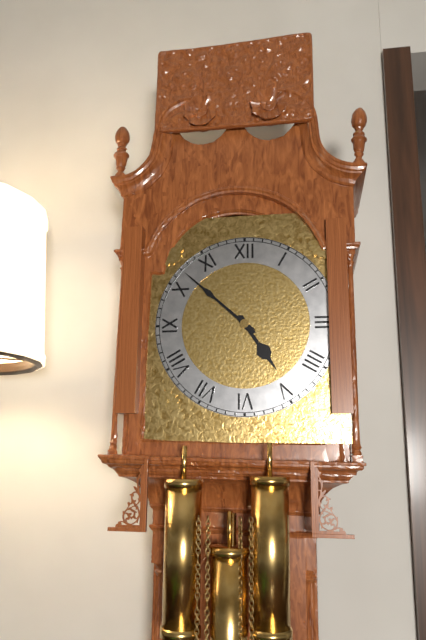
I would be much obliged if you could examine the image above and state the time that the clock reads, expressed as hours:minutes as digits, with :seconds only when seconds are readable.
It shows 4:52
